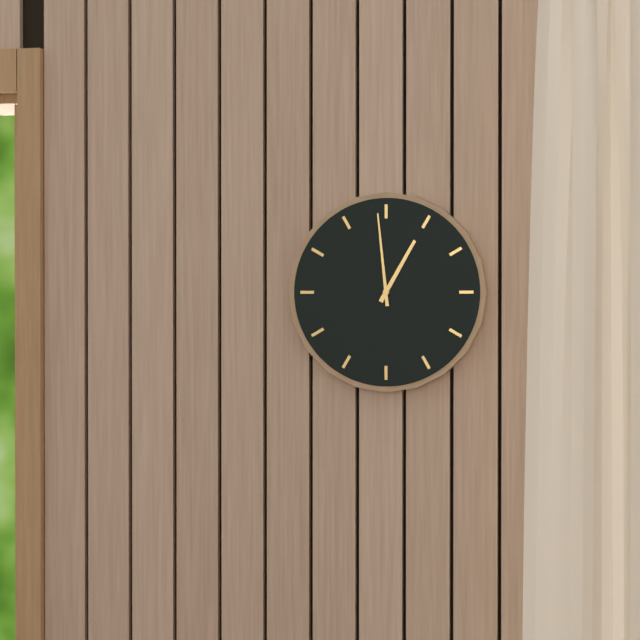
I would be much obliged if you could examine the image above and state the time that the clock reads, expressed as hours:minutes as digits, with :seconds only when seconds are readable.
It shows 12:59
